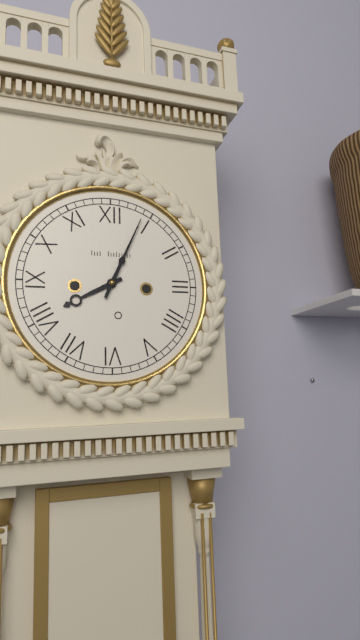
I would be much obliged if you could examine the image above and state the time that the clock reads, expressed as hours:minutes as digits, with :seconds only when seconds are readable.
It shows 8:04
